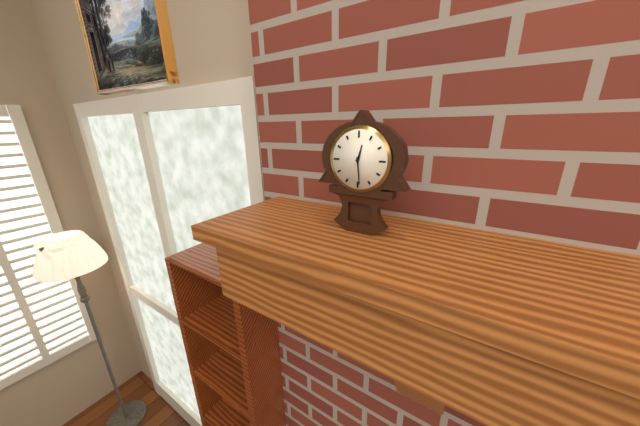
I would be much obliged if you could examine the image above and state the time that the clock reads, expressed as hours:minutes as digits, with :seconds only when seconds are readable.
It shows 12:29
